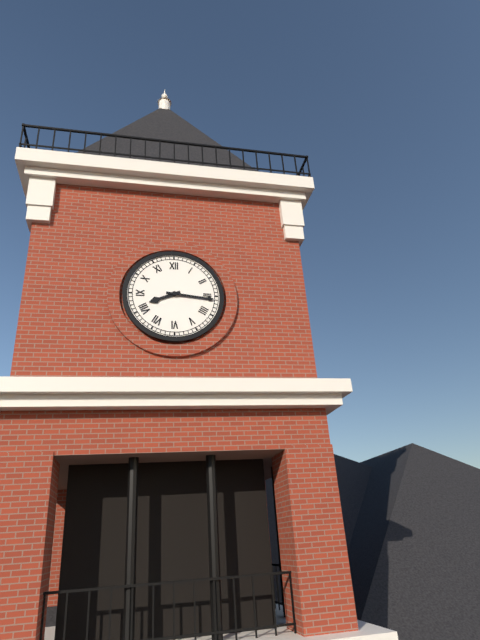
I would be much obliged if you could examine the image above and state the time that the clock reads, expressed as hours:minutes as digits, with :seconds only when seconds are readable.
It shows 8:16
